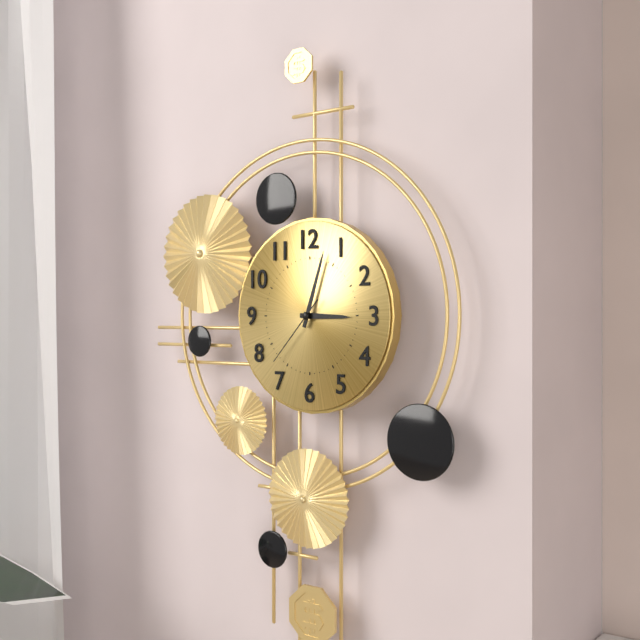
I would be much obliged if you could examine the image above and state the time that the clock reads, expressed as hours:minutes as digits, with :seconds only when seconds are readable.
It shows 3:03:37
